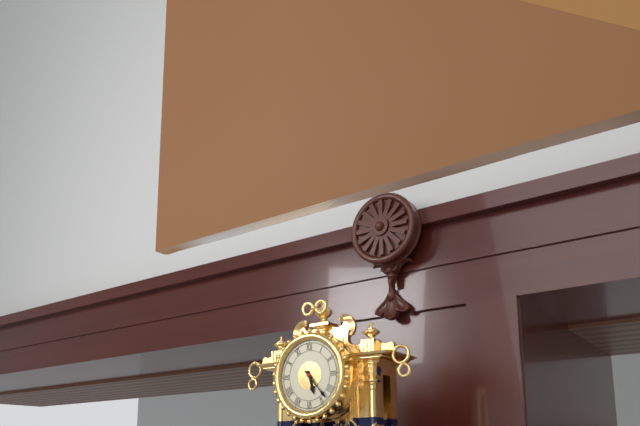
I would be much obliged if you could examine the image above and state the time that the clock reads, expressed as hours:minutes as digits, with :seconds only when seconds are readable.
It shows 5:23
